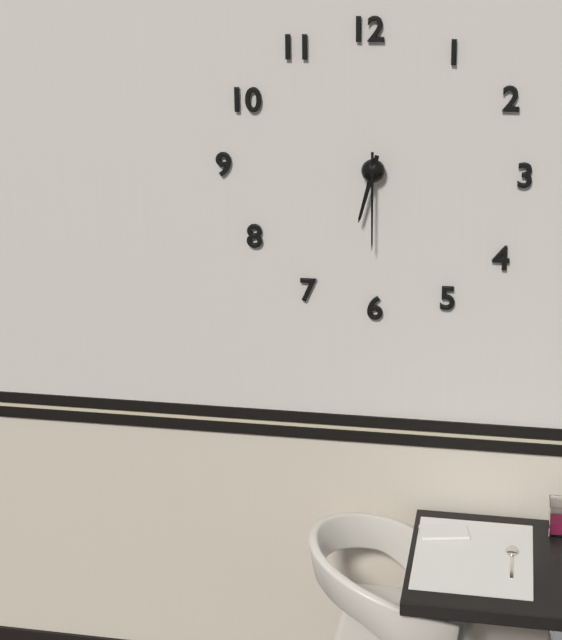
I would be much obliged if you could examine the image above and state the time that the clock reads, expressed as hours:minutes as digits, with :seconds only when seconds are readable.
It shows 6:30
